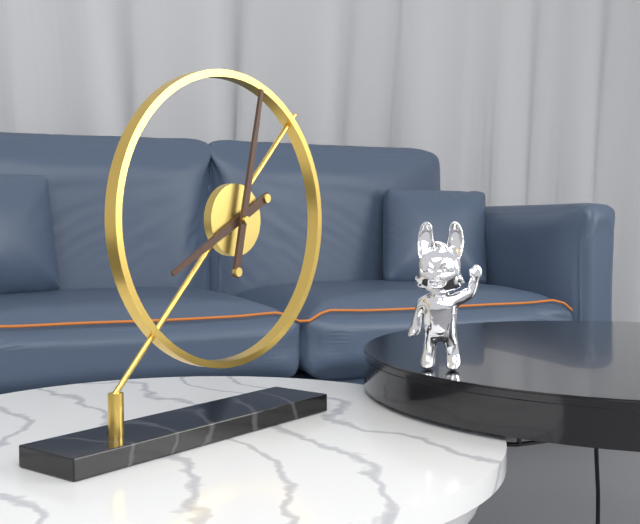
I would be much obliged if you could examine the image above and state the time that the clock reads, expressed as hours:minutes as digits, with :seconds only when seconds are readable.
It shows 8:02
